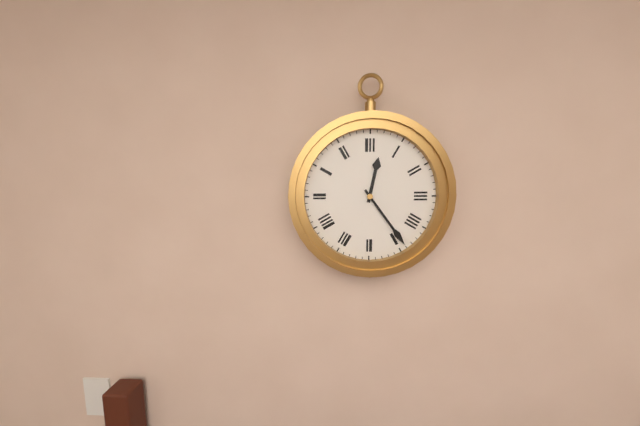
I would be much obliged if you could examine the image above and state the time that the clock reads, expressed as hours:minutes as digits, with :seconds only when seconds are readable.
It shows 12:24
